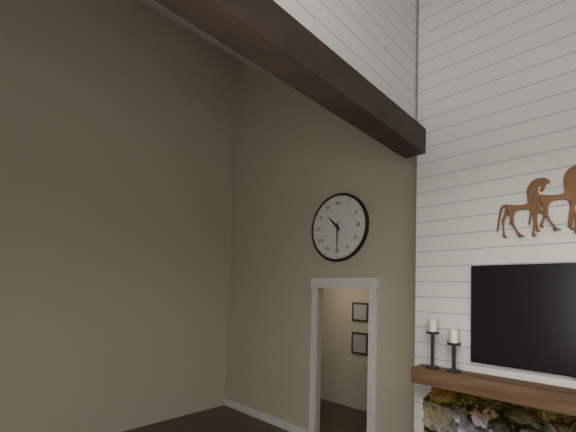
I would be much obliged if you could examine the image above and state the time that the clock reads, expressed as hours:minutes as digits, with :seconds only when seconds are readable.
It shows 10:30
